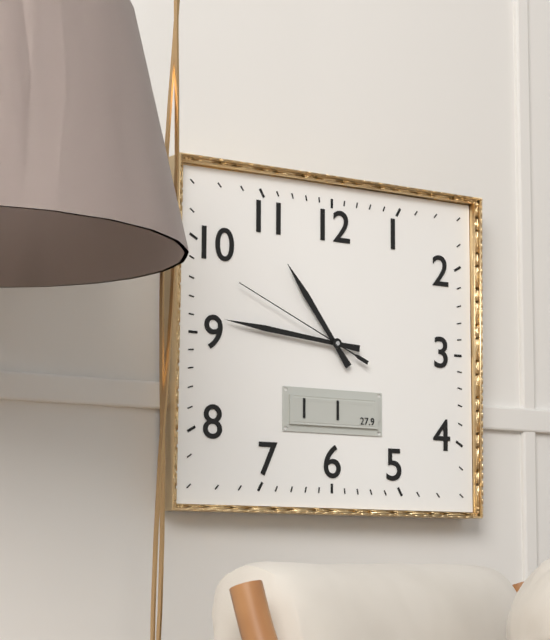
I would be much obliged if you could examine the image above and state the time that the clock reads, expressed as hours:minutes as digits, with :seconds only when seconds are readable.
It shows 10:46:49
